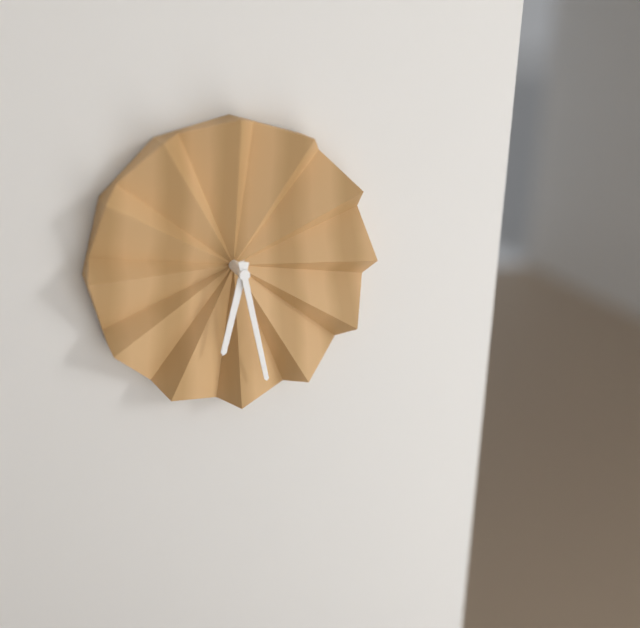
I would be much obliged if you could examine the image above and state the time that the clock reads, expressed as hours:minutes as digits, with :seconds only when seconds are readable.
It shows 6:28
